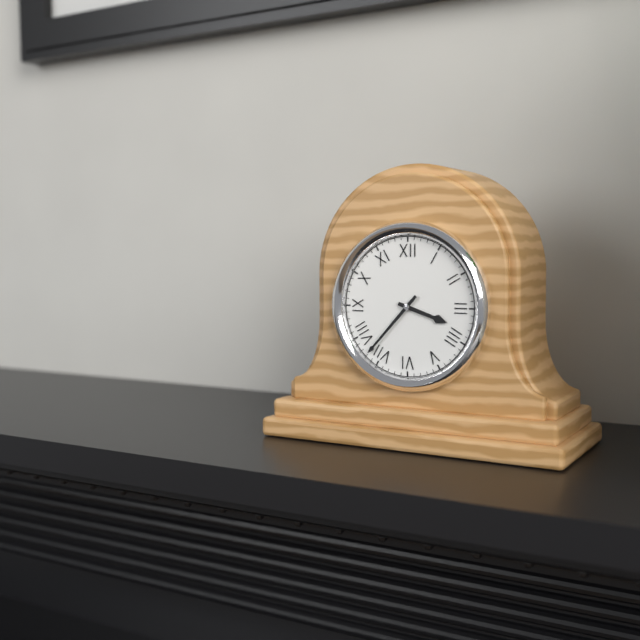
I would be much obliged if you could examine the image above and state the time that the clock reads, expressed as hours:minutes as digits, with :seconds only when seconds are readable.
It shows 3:37
